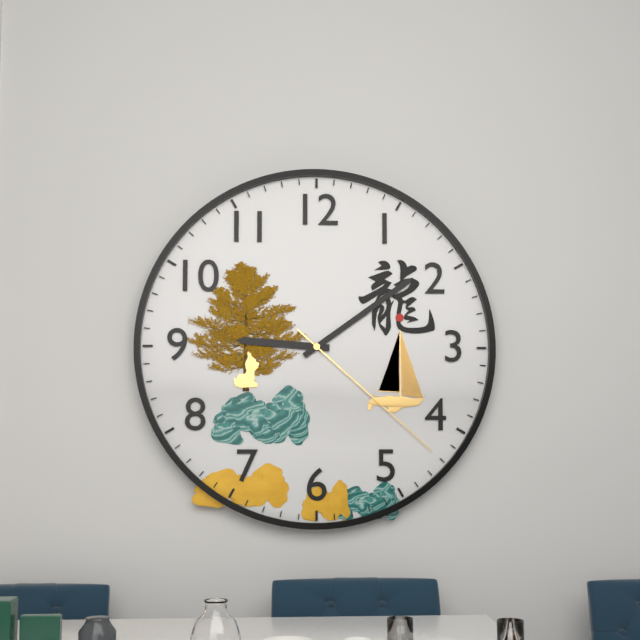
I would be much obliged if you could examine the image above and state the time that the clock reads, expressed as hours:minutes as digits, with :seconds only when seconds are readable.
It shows 9:09:22
